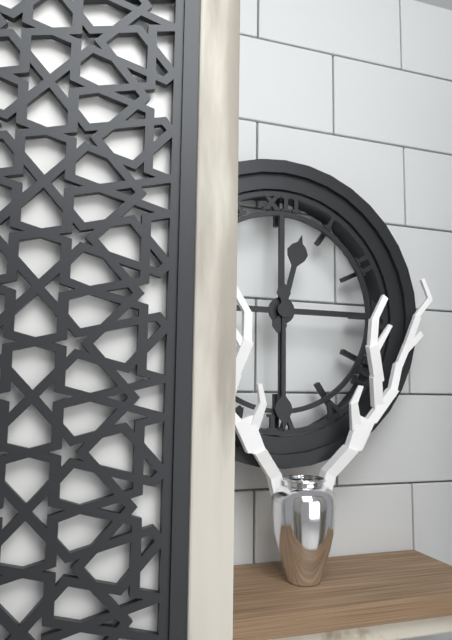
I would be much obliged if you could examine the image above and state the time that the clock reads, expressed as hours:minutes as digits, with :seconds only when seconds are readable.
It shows 12:30
